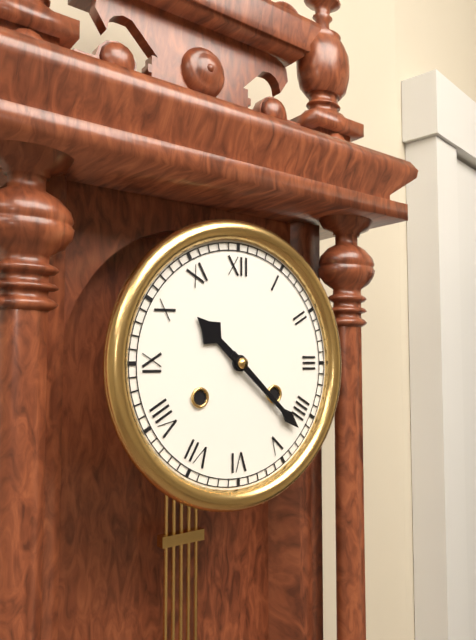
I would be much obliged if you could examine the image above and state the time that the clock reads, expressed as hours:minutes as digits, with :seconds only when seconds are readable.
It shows 10:22
